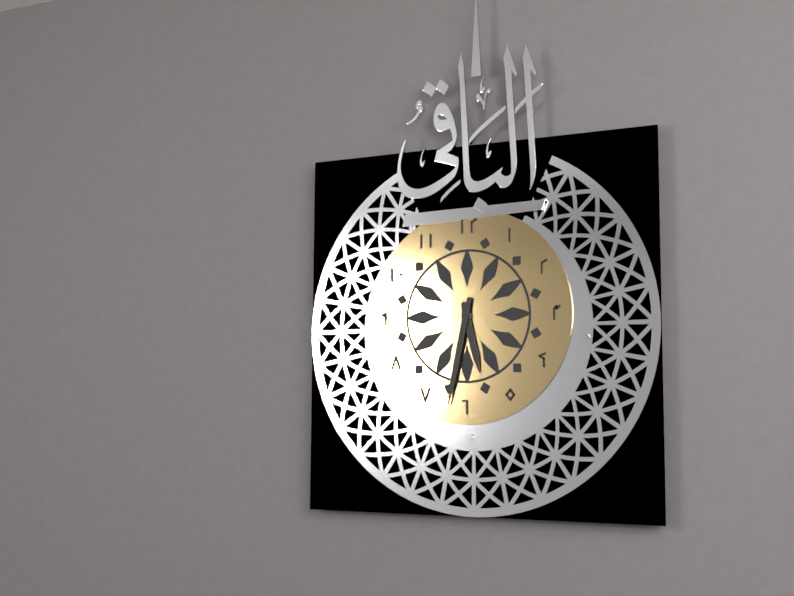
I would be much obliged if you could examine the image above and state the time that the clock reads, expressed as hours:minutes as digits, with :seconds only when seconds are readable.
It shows 5:32
